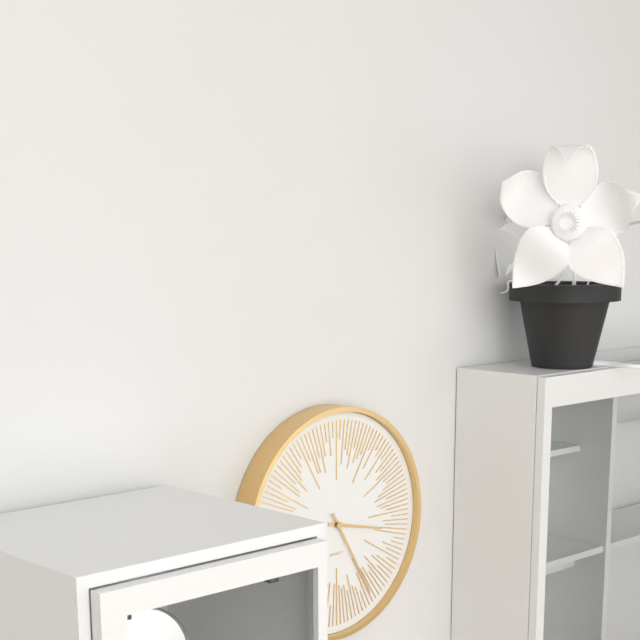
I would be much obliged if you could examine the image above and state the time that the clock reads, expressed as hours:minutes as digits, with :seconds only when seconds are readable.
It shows 3:25
